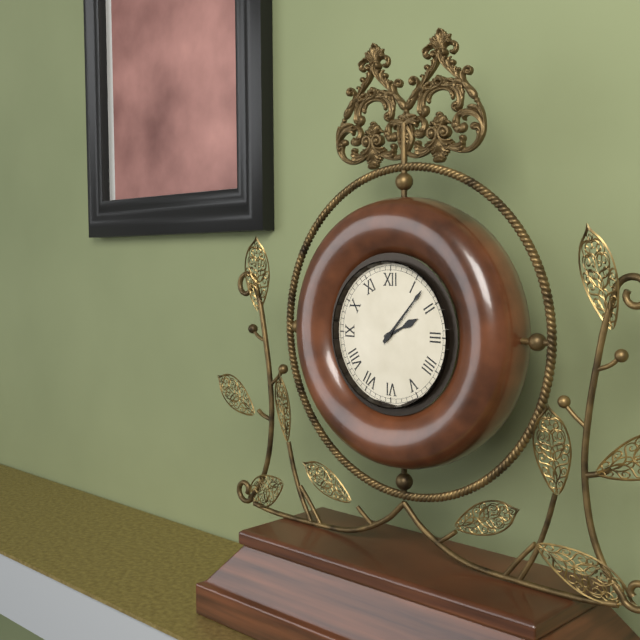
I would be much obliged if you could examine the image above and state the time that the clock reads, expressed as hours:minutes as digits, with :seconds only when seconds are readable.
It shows 2:07
